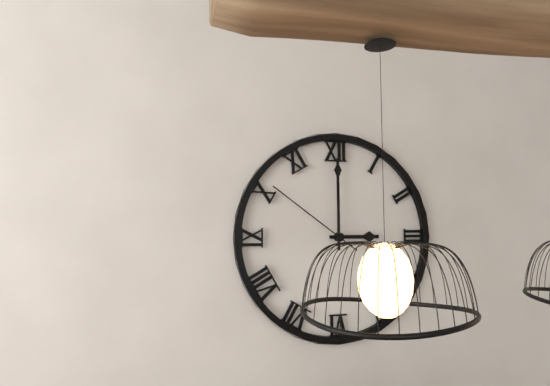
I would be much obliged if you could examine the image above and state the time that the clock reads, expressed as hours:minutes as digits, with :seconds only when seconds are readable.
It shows 3:00:51
